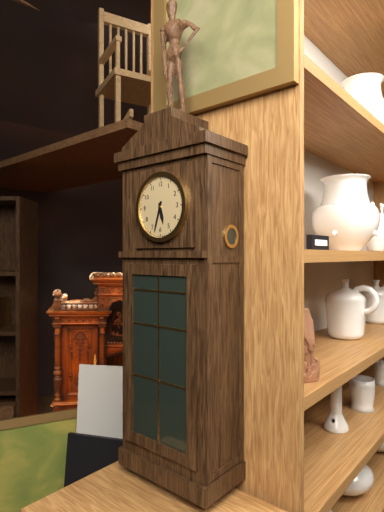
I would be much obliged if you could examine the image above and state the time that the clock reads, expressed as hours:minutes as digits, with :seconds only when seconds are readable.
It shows 5:33
